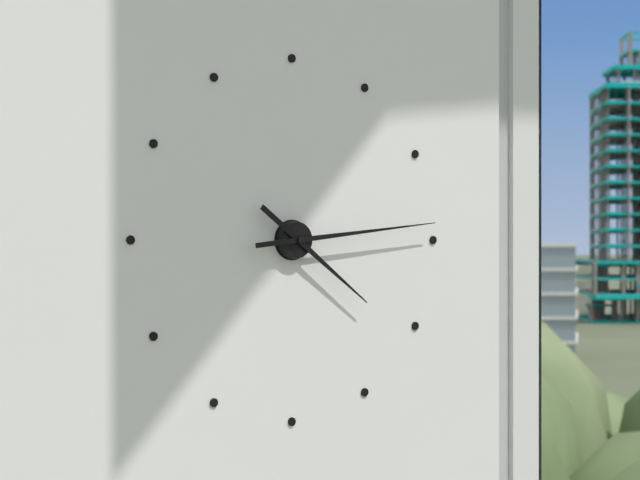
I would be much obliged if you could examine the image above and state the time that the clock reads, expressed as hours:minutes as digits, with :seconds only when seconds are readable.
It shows 4:14
